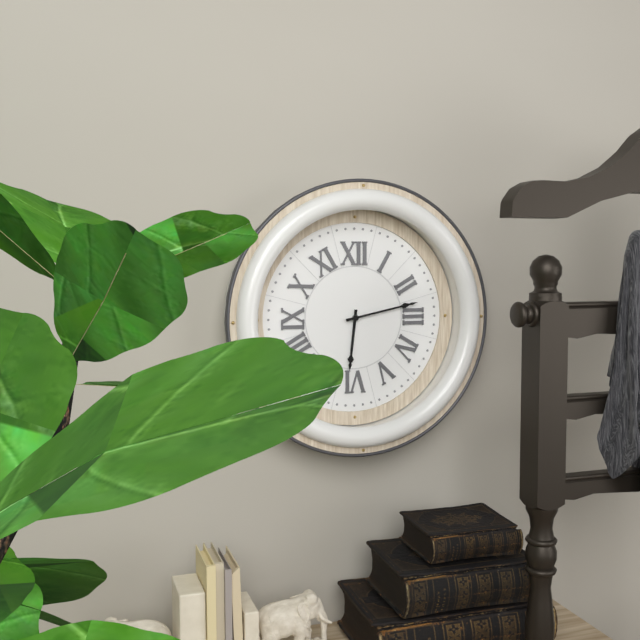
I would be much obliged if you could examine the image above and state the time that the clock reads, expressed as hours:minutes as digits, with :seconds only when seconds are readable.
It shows 6:13
